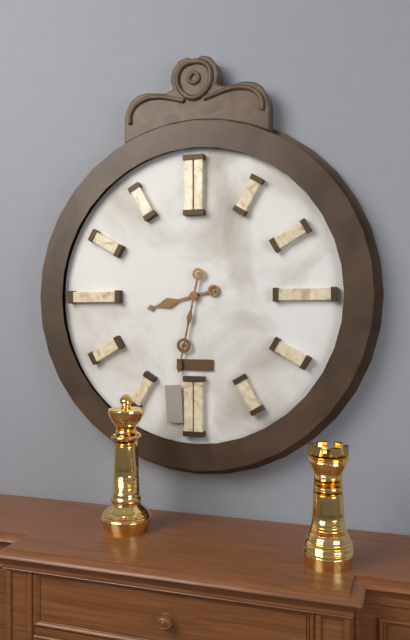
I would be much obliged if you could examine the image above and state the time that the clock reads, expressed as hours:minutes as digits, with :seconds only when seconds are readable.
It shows 8:32
